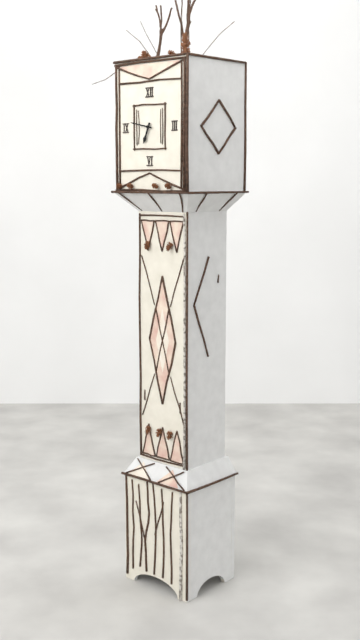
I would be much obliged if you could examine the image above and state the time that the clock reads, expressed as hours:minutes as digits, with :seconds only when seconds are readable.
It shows 6:47
